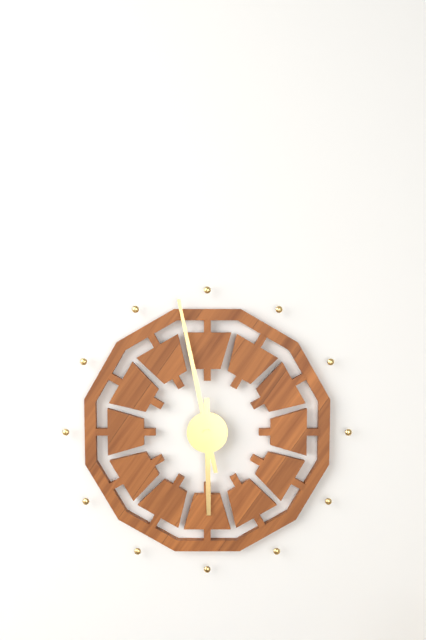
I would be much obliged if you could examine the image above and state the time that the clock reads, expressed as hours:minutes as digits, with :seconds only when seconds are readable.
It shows 5:58
